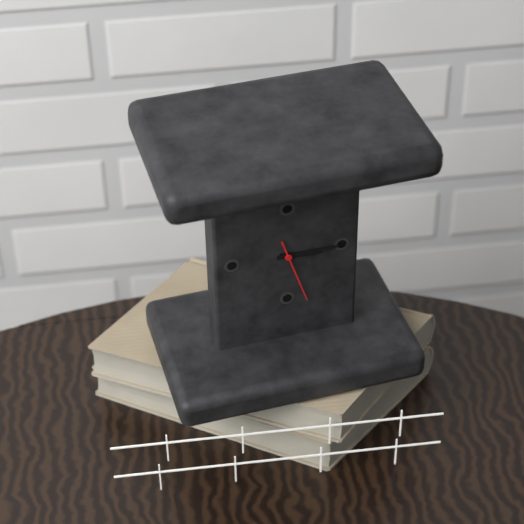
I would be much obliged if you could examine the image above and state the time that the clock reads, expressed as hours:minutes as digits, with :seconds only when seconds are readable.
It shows 3:15:27
